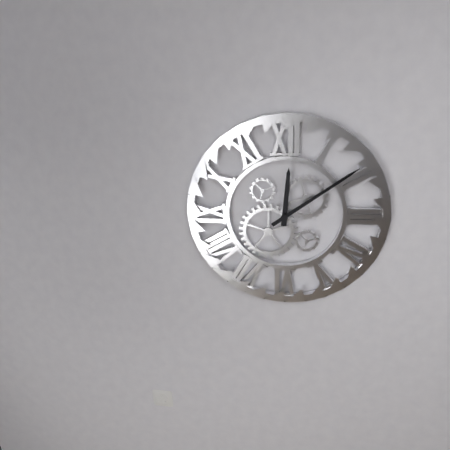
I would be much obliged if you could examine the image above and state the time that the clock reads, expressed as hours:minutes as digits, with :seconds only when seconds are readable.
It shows 12:09
